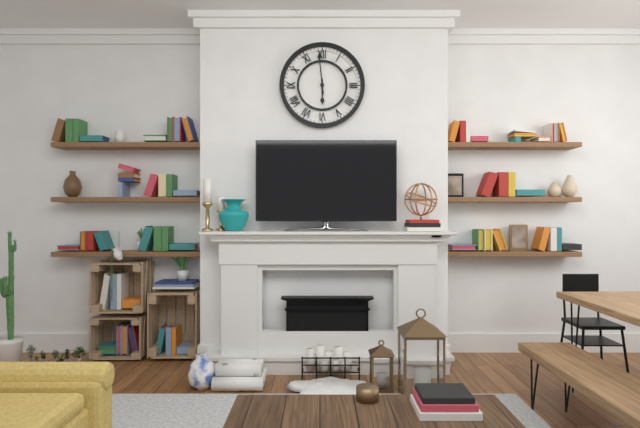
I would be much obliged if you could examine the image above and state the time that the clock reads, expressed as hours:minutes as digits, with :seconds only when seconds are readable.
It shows 5:59
